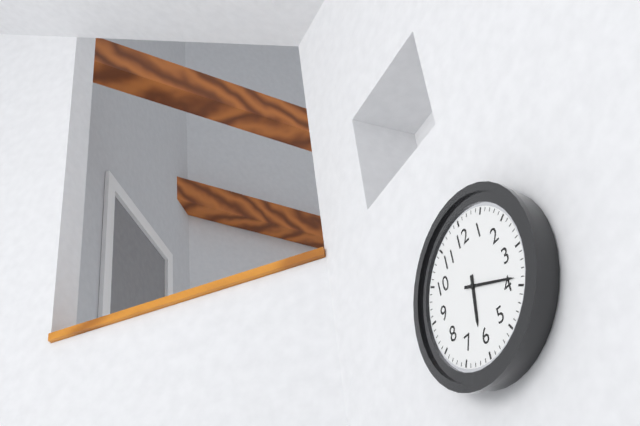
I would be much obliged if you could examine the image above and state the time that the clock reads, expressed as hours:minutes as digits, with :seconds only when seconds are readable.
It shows 6:19
